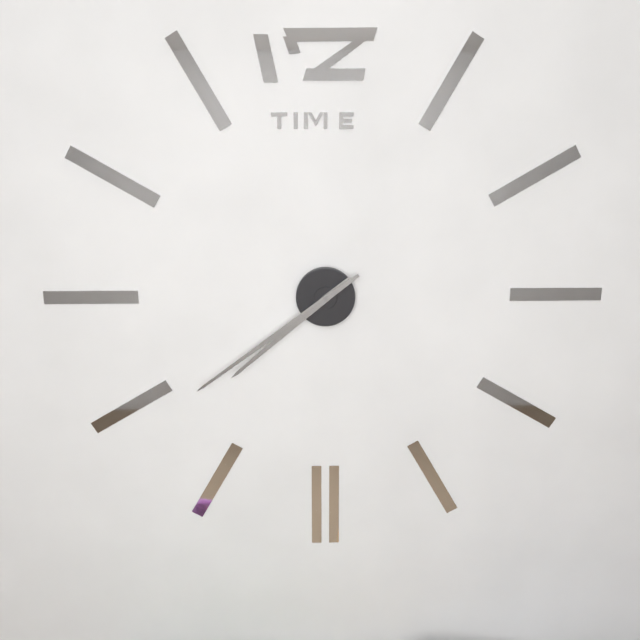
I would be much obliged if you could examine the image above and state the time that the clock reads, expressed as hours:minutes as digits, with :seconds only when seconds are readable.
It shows 7:39
